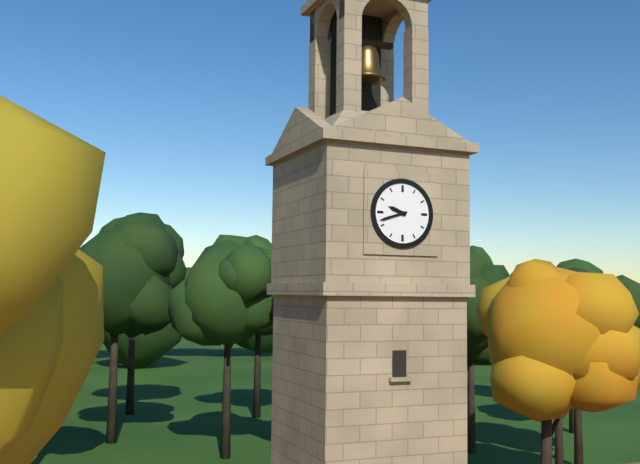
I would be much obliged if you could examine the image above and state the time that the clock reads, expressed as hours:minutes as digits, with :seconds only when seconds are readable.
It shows 9:42
